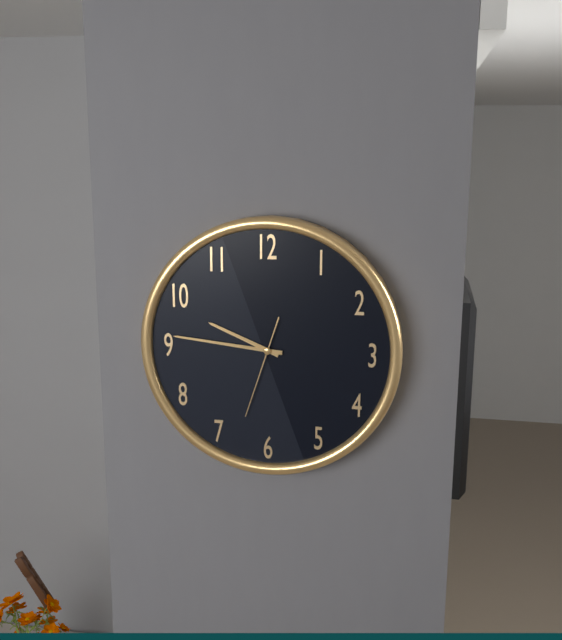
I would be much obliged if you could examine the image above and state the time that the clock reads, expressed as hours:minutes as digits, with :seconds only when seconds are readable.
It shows 9:46:33
